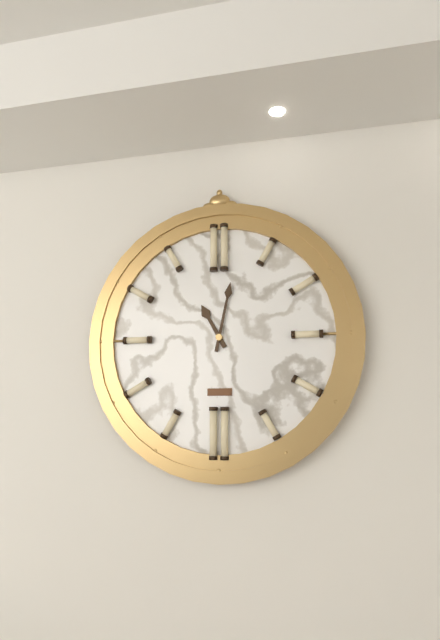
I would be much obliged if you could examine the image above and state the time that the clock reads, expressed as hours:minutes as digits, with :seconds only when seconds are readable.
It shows 11:02
